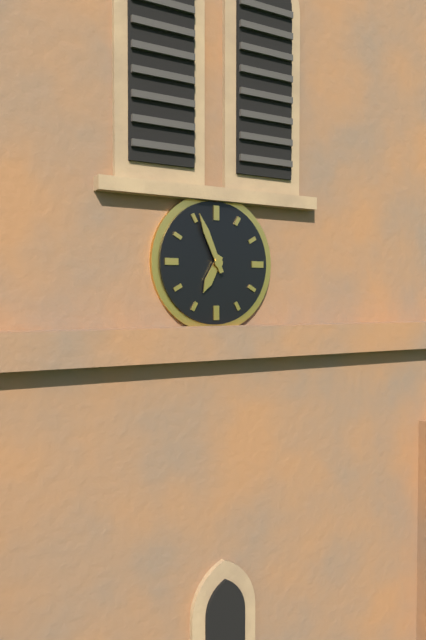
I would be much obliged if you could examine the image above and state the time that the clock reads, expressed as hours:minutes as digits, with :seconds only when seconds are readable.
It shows 6:56
